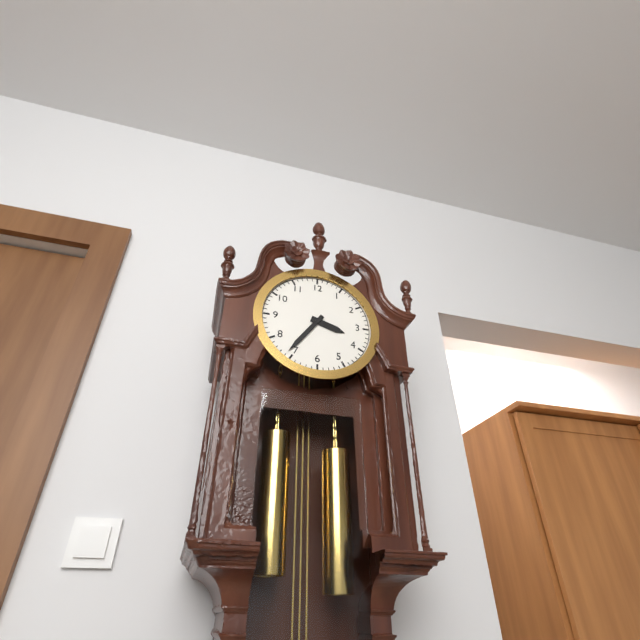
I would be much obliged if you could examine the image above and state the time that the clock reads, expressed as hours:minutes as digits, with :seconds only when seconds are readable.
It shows 3:36
